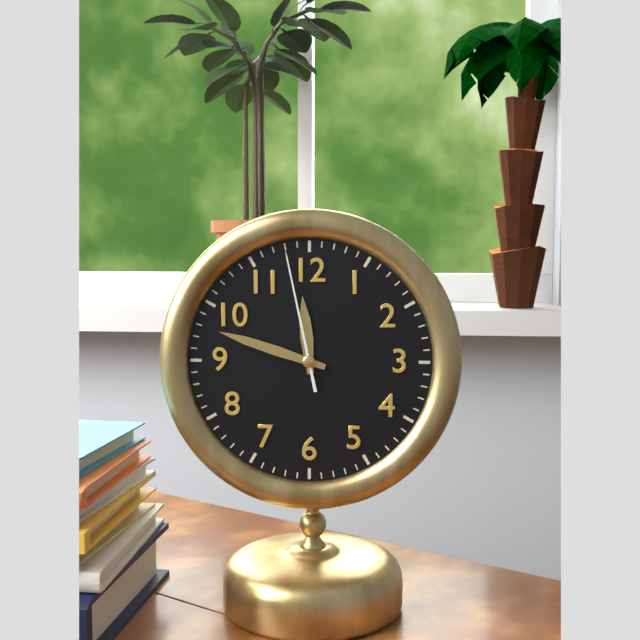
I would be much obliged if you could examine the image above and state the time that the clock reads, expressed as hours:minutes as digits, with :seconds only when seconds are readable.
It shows 11:48:58
